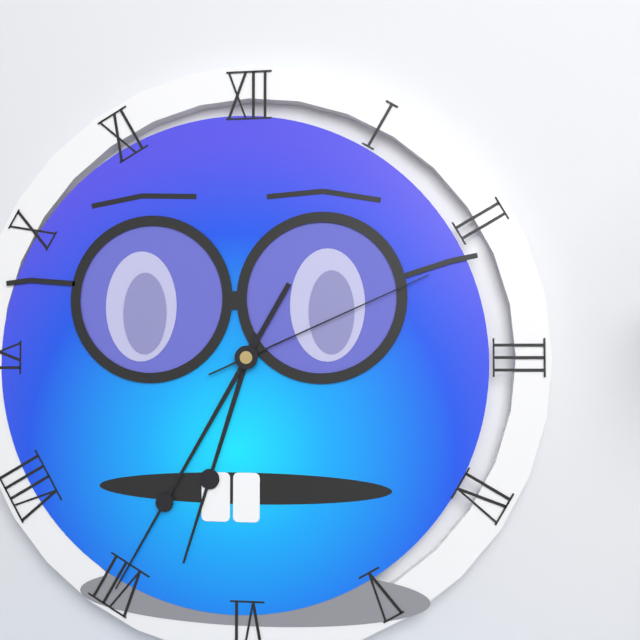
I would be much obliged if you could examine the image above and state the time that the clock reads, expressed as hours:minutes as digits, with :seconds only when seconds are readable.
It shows 6:35:11
